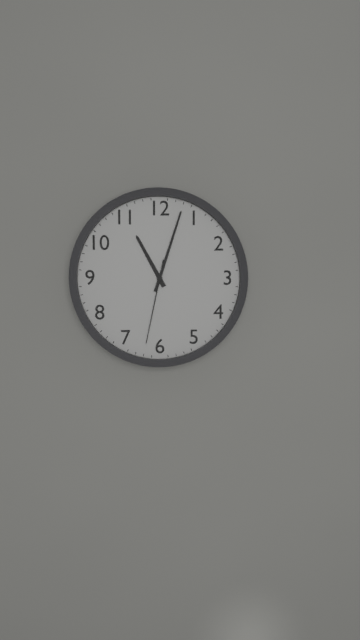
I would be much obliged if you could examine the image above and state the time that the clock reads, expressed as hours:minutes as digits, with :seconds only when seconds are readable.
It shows 11:03:32
